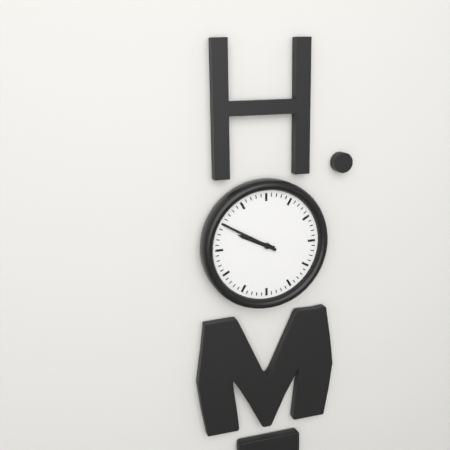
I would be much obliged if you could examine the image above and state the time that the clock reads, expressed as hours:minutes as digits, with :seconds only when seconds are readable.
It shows 9:50
